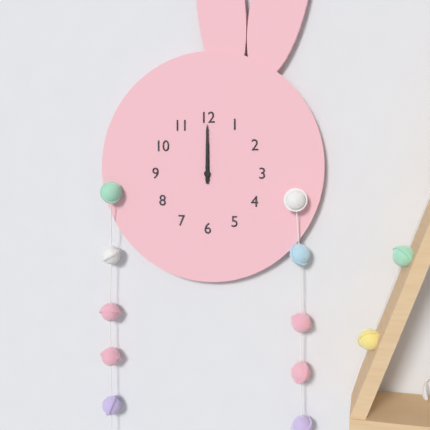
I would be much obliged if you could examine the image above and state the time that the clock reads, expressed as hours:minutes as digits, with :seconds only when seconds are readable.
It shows 12:00
